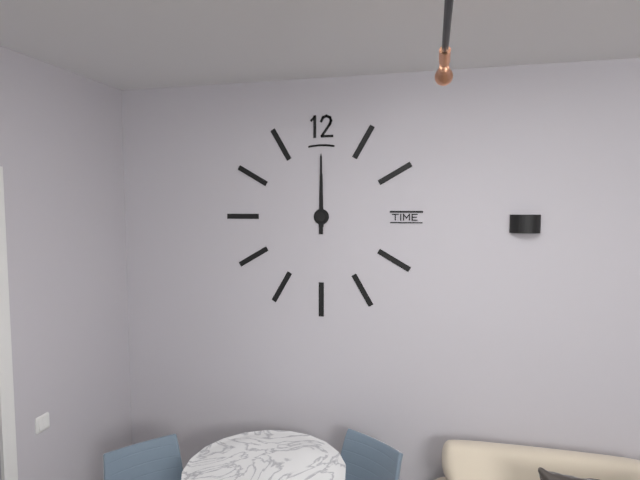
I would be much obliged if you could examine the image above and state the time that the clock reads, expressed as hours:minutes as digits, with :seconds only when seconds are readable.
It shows 12:00
